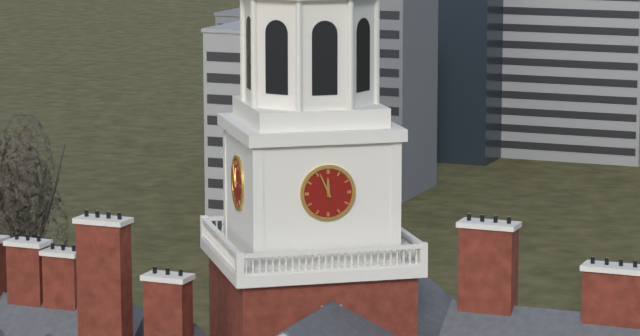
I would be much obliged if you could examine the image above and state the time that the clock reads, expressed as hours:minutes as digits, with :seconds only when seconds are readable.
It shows 11:56
